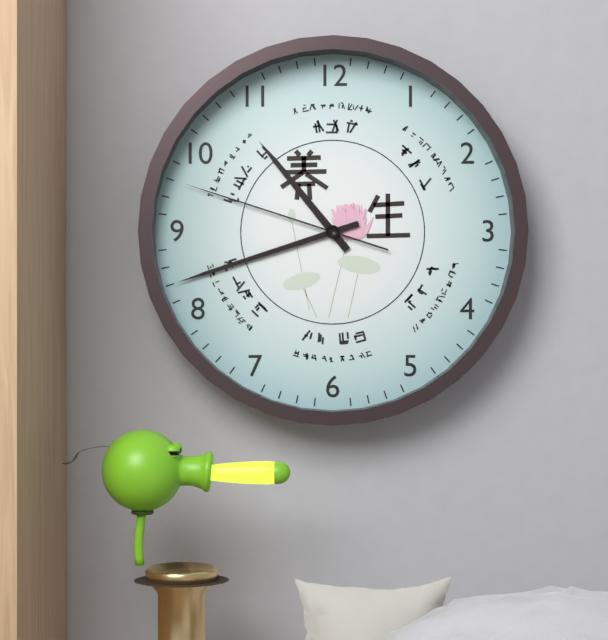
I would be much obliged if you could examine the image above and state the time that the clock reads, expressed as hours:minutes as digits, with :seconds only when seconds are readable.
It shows 10:42:48
